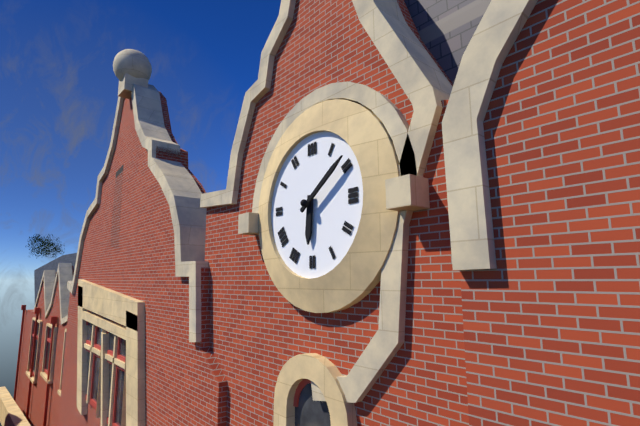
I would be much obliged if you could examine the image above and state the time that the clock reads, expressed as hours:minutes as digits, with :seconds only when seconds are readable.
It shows 6:09
